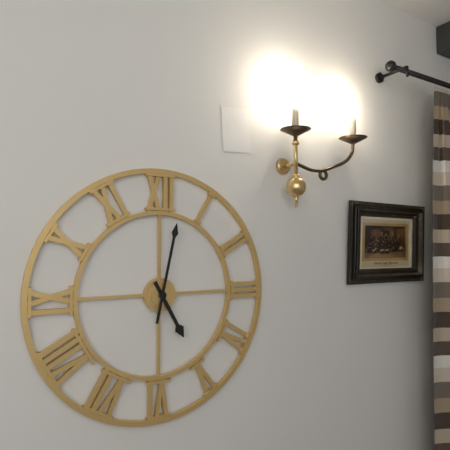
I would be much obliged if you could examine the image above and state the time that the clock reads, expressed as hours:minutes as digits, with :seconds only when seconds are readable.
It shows 5:02
